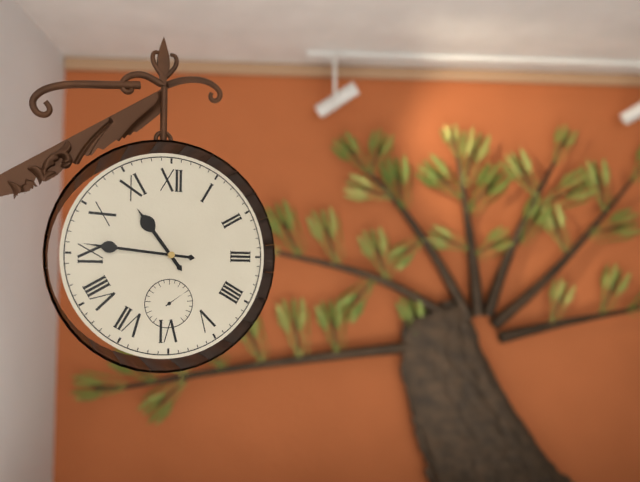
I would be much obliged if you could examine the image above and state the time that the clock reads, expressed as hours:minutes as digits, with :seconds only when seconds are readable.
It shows 10:46
